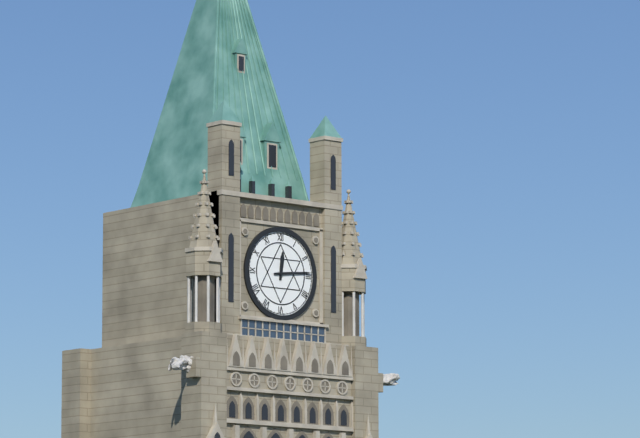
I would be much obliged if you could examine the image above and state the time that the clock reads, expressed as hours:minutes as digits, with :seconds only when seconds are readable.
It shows 12:14
